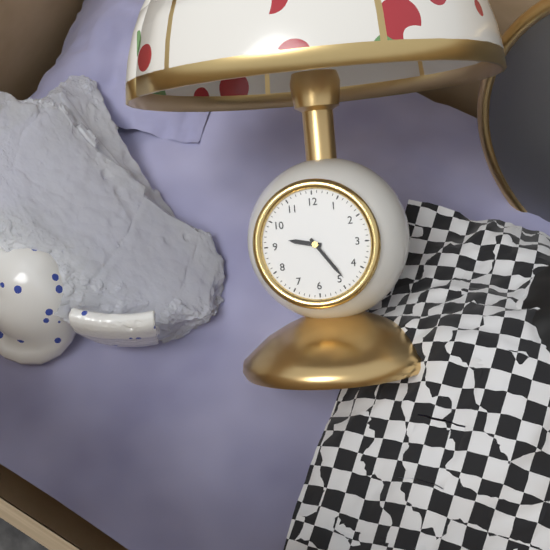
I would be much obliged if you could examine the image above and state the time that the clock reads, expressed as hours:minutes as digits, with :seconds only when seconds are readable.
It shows 9:24
